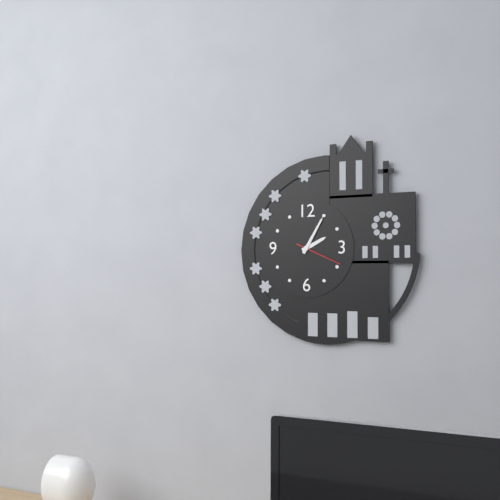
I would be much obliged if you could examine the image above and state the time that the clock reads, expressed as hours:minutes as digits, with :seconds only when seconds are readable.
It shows 2:05
